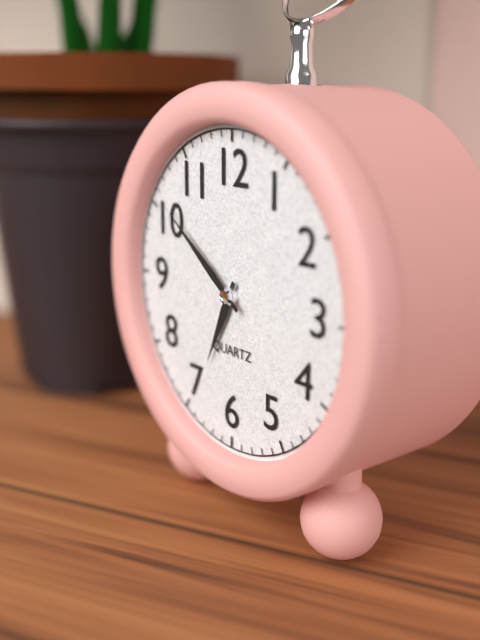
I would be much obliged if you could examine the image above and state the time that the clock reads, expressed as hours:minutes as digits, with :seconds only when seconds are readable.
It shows 6:51
